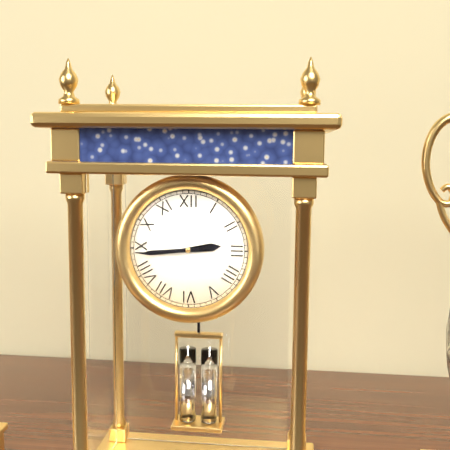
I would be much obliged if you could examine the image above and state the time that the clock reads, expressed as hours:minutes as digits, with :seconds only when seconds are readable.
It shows 2:44
